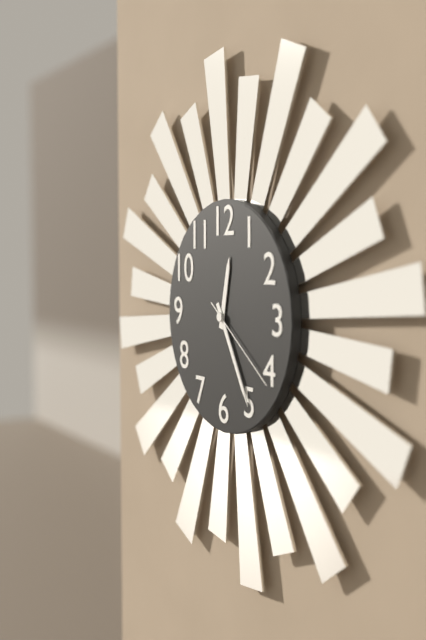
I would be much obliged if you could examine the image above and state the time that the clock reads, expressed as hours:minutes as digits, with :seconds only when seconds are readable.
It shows 12:25:21
